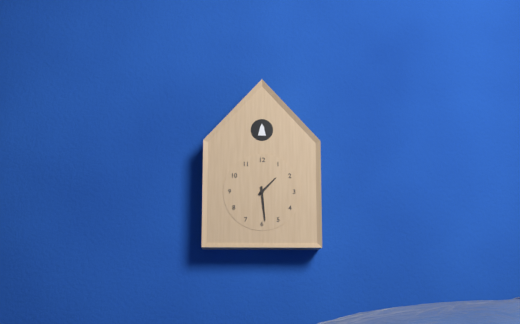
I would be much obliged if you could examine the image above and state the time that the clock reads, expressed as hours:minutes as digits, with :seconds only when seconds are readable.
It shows 1:29
